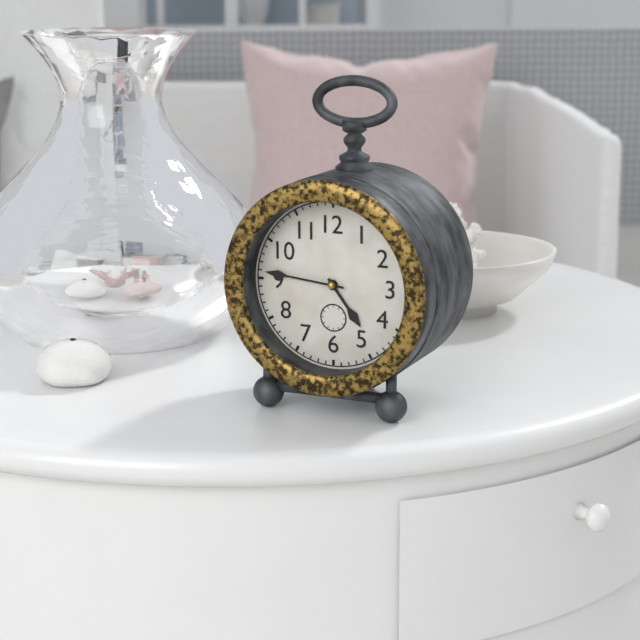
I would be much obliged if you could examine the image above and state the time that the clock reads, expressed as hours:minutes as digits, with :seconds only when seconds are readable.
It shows 4:46
